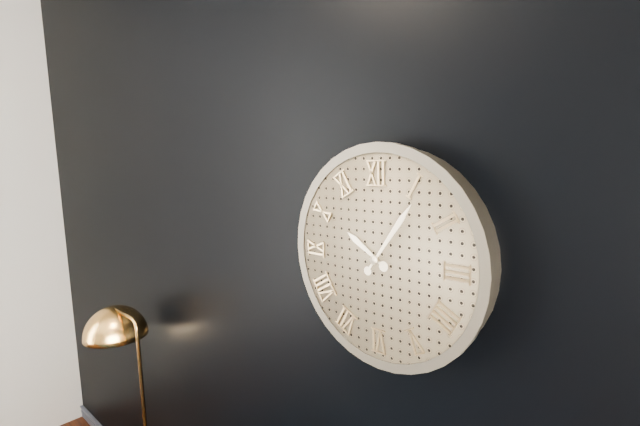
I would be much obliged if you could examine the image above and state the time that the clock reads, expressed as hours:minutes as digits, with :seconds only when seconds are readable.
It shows 10:06
